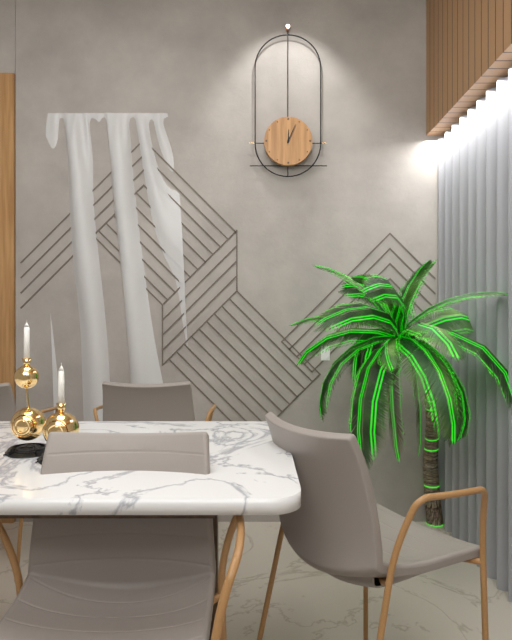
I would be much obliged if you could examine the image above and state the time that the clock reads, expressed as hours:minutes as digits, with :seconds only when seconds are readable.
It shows 12:04
